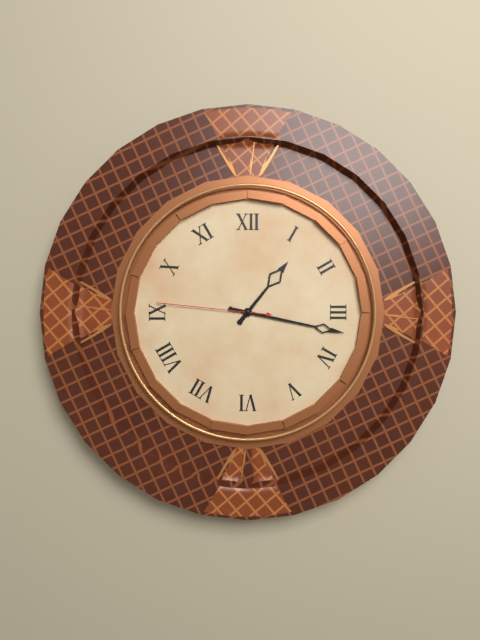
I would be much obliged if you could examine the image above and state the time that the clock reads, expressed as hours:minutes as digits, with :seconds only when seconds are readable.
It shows 1:17:46
